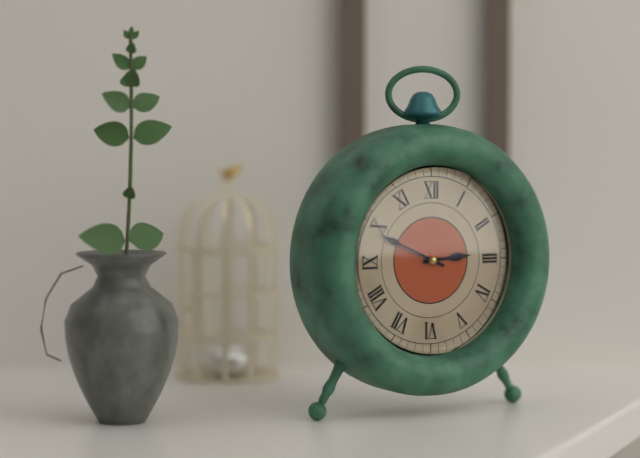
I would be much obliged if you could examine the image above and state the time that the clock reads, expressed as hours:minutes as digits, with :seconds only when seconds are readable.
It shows 2:49
